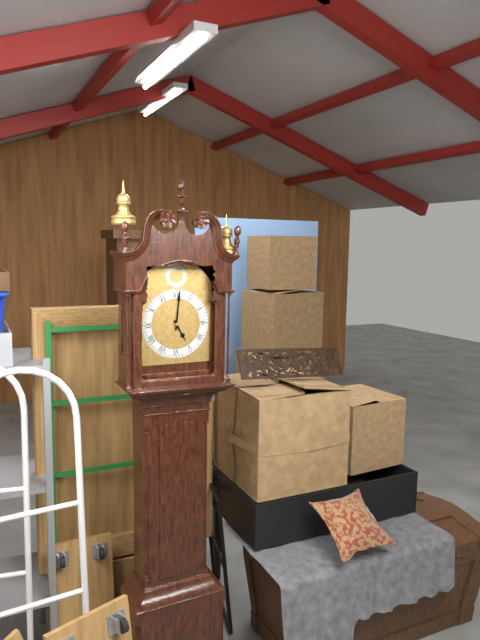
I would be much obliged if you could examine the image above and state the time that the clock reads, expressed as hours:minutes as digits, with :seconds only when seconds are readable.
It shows 5:01
